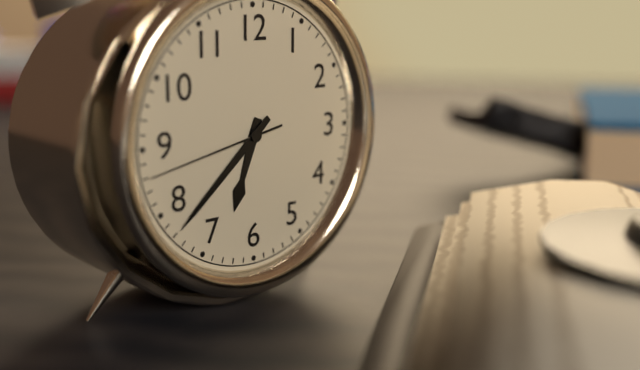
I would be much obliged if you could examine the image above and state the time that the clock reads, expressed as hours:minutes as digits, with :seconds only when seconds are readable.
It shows 6:38:43
